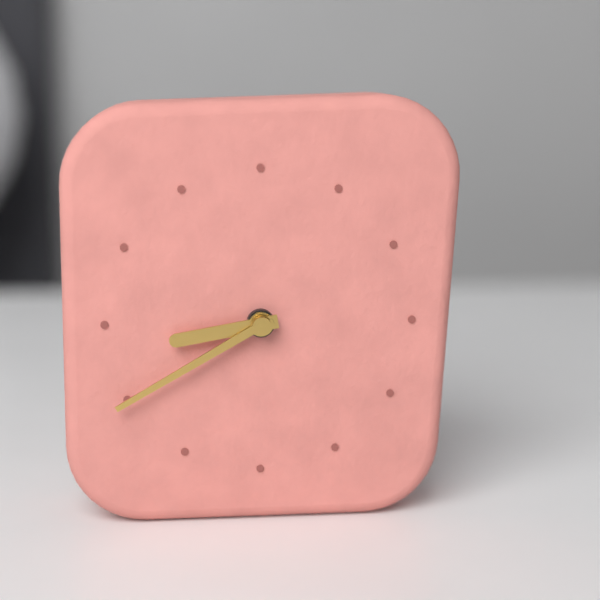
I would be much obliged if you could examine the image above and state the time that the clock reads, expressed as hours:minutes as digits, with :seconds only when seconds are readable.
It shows 8:40
